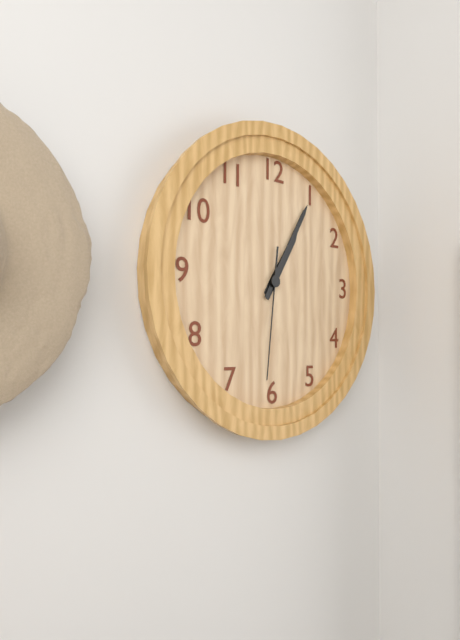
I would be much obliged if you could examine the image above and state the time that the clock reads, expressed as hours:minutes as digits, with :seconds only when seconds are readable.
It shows 1:05:31
